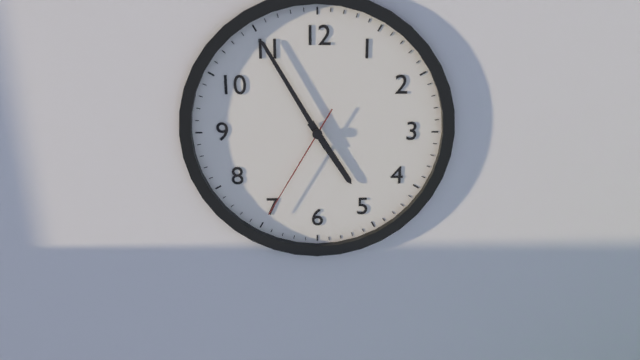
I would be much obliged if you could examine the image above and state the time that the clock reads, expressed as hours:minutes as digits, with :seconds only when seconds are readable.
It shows 4:55:35
